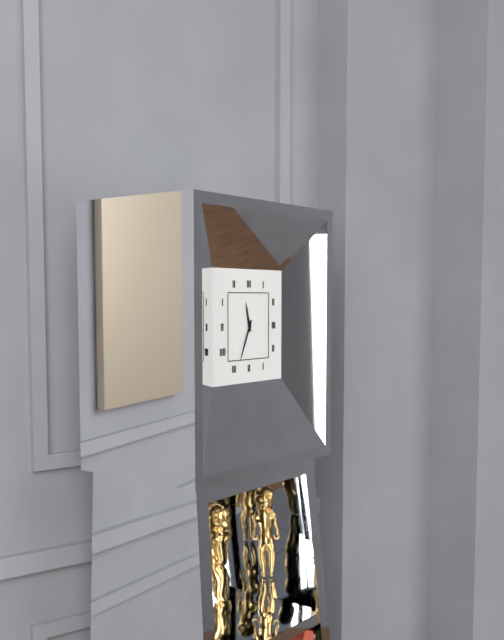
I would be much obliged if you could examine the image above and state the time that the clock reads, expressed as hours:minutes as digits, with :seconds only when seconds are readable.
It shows 11:34
